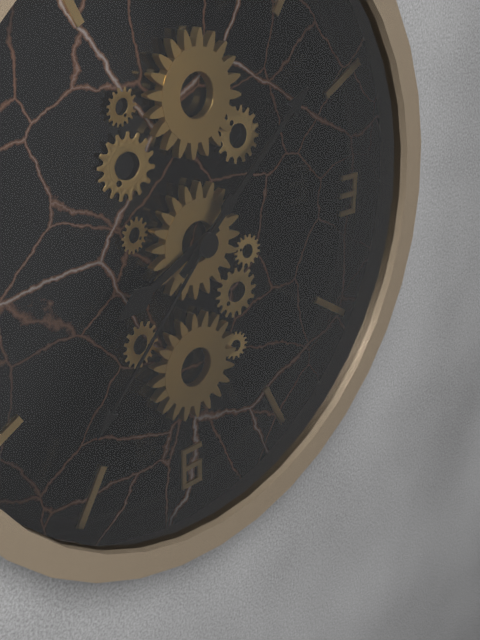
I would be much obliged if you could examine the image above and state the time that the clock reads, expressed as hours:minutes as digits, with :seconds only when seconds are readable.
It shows 8:08:37
